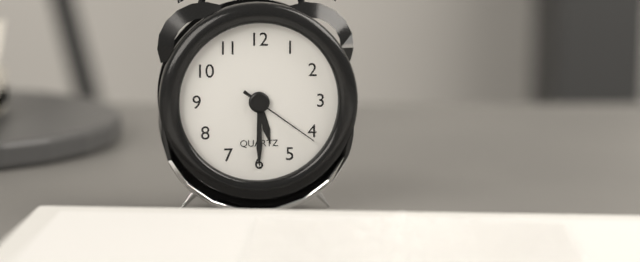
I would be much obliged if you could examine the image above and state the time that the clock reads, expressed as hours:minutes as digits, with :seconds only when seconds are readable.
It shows 5:30:21
